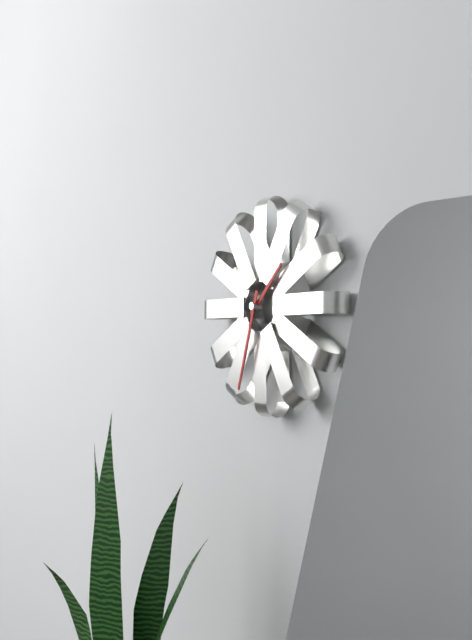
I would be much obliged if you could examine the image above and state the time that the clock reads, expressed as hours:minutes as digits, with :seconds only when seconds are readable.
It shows 1:33
